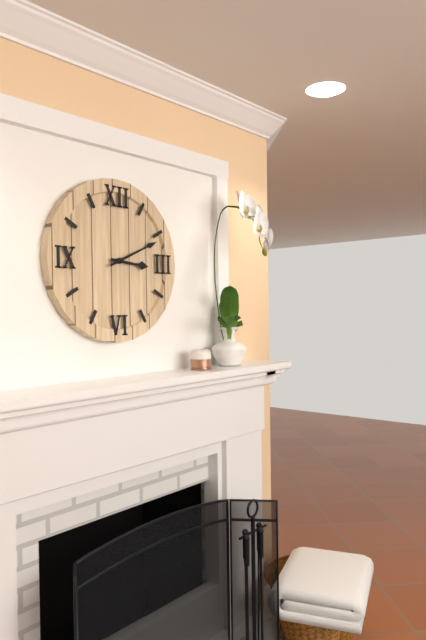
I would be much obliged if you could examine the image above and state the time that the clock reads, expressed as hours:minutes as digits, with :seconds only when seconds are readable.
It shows 3:11
